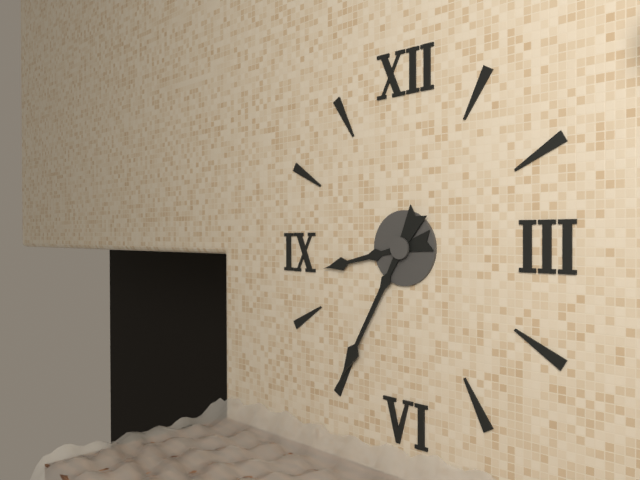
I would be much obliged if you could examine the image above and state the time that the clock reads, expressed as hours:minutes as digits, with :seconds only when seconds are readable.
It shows 8:35
